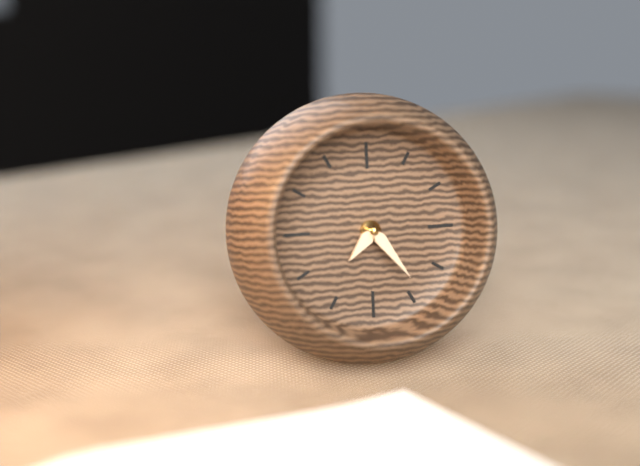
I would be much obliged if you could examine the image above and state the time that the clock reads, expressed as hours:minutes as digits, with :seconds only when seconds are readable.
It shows 7:24
